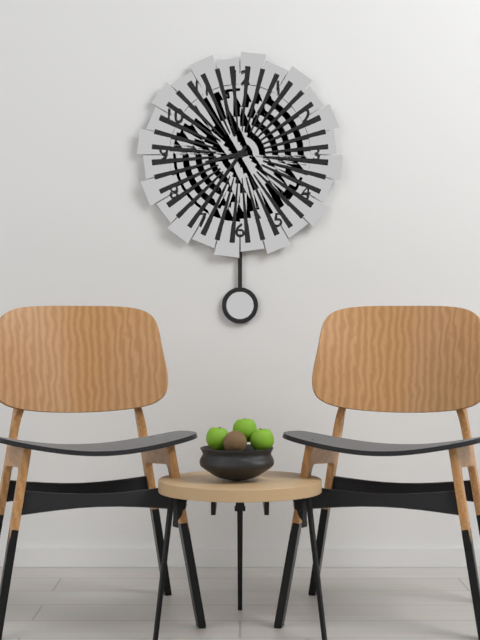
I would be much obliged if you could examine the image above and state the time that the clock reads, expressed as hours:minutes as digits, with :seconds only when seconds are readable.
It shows 8:36
